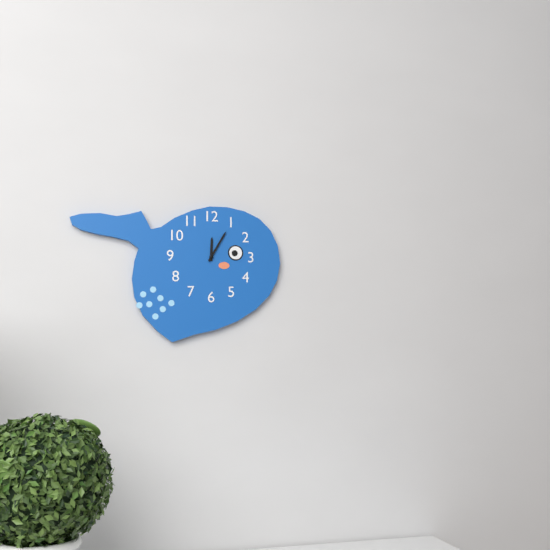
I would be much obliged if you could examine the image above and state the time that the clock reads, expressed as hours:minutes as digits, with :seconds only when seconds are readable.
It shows 12:05
